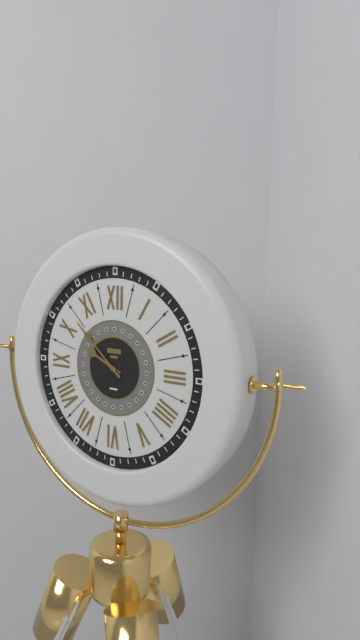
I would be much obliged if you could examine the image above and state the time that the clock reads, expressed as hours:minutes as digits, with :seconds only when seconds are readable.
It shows 9:52
